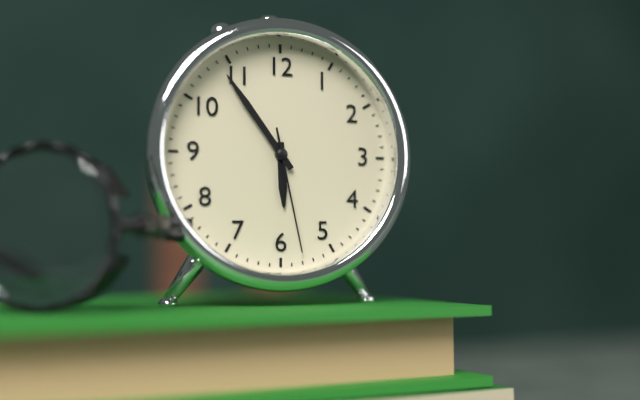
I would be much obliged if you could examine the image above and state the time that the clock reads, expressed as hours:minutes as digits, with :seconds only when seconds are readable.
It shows 5:54:28
